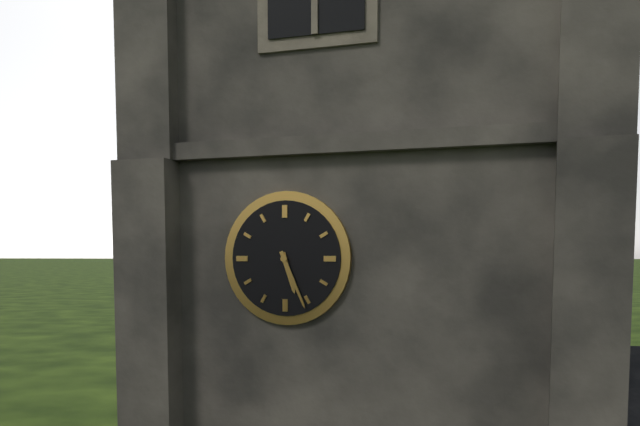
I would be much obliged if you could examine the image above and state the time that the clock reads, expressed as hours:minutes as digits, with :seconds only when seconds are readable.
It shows 5:26
